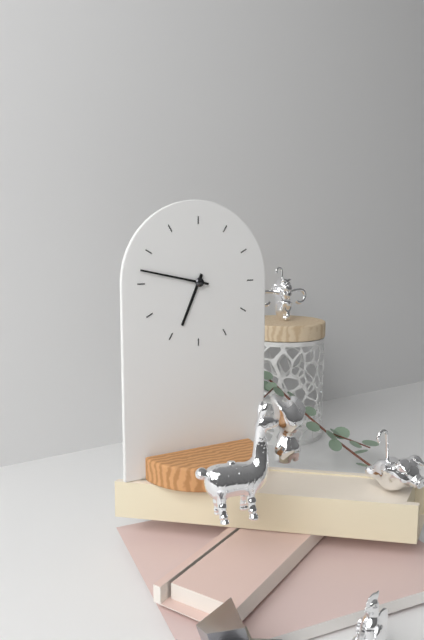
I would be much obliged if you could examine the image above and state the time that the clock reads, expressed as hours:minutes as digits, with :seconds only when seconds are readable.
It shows 6:47
